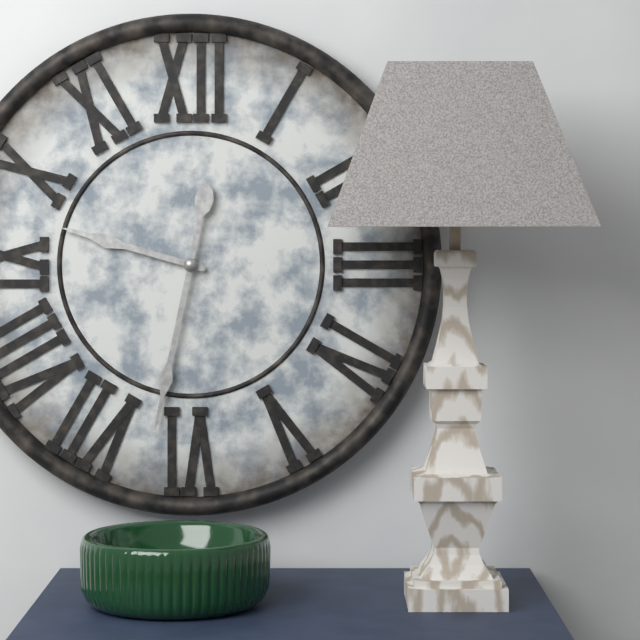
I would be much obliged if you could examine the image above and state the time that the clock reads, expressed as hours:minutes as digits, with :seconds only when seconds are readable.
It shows 9:32
